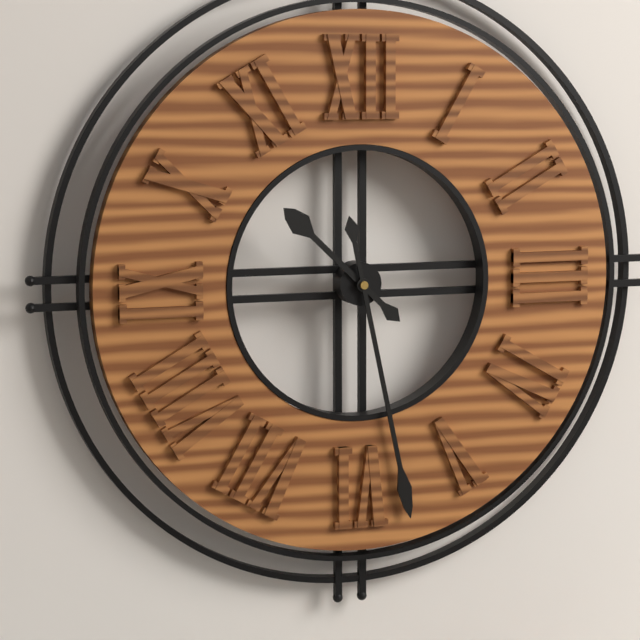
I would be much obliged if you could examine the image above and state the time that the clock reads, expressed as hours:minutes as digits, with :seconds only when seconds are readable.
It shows 10:28
